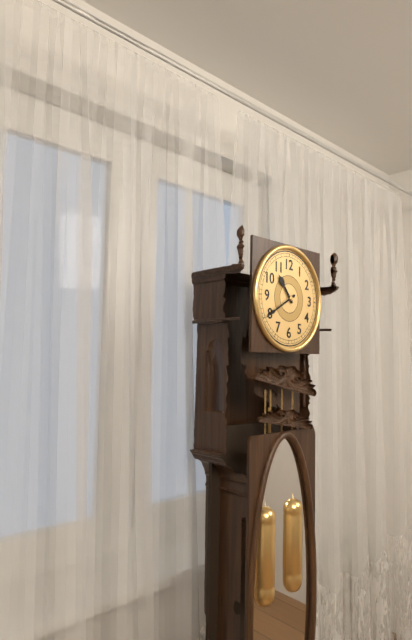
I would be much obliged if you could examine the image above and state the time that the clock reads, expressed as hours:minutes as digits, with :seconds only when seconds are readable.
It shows 10:40
